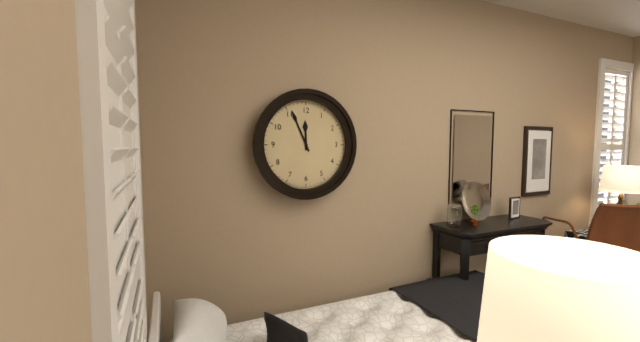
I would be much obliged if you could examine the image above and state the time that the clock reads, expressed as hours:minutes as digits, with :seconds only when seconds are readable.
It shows 11:56
